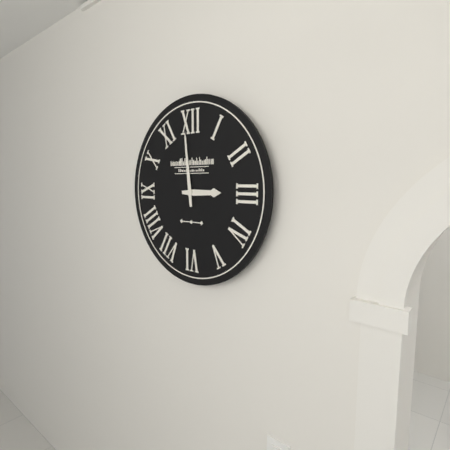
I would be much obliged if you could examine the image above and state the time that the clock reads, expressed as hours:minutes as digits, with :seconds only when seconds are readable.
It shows 2:59
